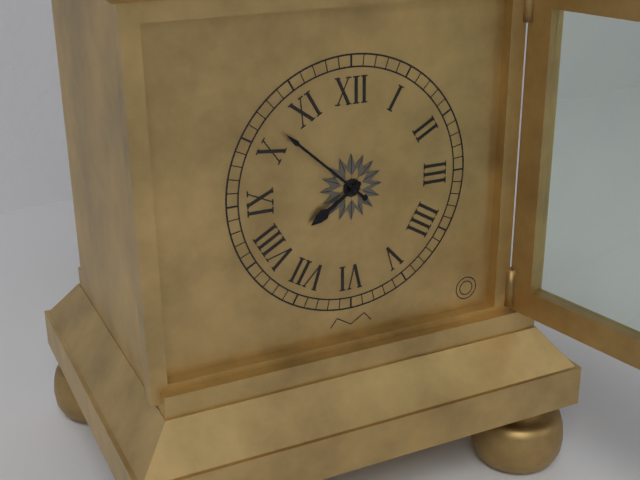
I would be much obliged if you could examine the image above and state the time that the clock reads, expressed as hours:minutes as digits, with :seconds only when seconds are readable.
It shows 7:52
